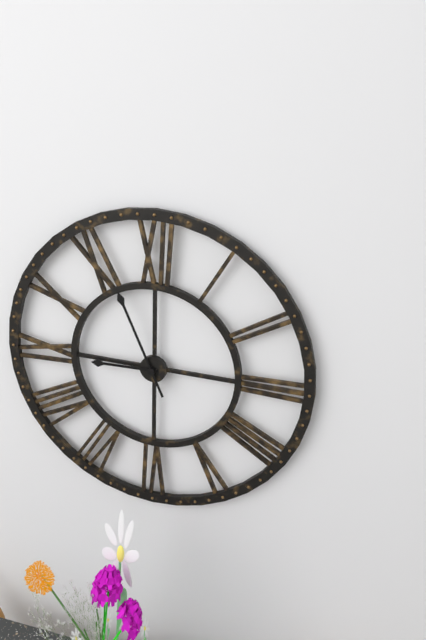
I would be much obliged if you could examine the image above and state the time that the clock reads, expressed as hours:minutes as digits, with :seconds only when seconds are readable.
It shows 8:56
